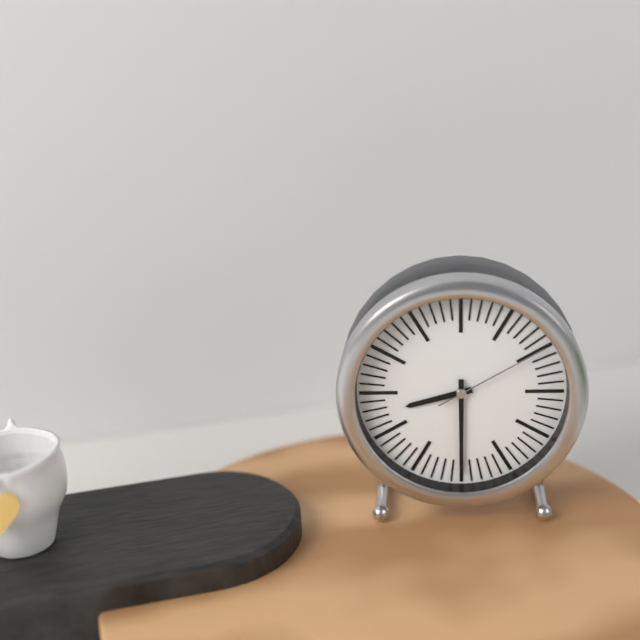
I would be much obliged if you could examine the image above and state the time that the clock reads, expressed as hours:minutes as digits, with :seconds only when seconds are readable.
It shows 8:30:10
